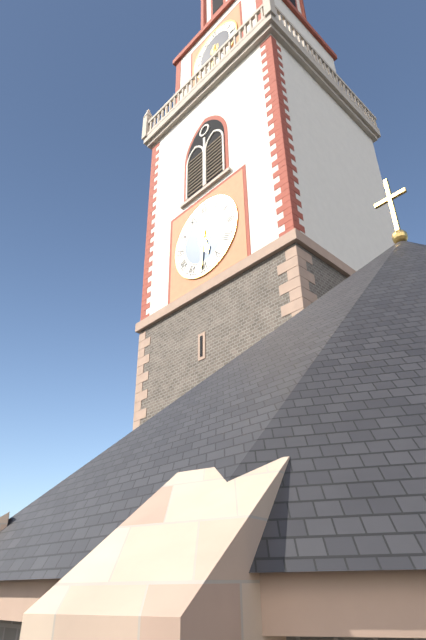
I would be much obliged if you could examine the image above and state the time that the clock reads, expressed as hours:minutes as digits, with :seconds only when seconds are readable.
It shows 5:31
